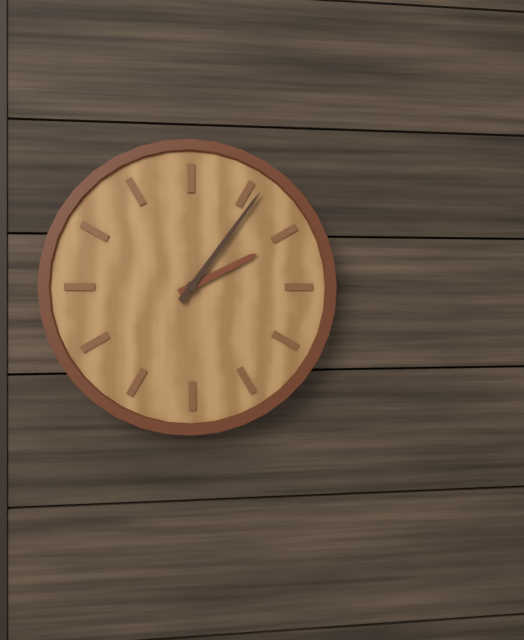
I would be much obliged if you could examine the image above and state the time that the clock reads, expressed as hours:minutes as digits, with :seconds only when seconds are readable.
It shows 2:06
